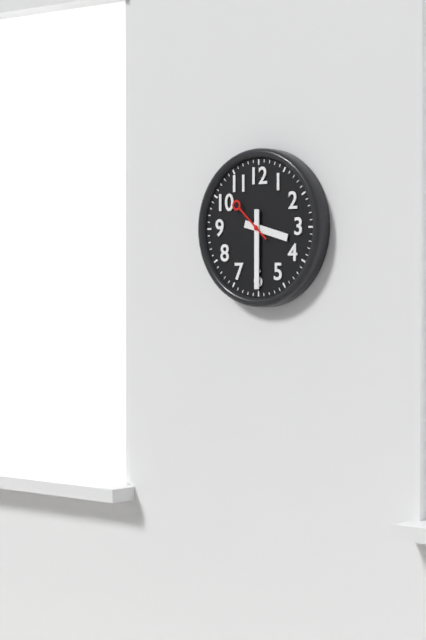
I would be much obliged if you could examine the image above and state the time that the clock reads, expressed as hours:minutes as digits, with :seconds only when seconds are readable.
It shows 3:30:52
